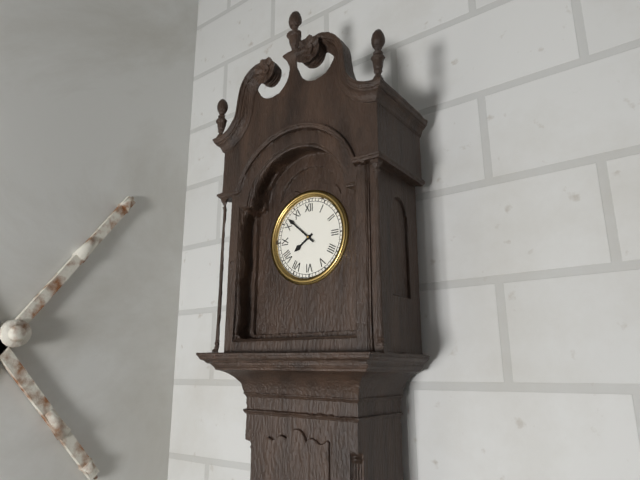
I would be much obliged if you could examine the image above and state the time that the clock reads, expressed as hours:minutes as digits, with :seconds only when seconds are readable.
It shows 7:52
